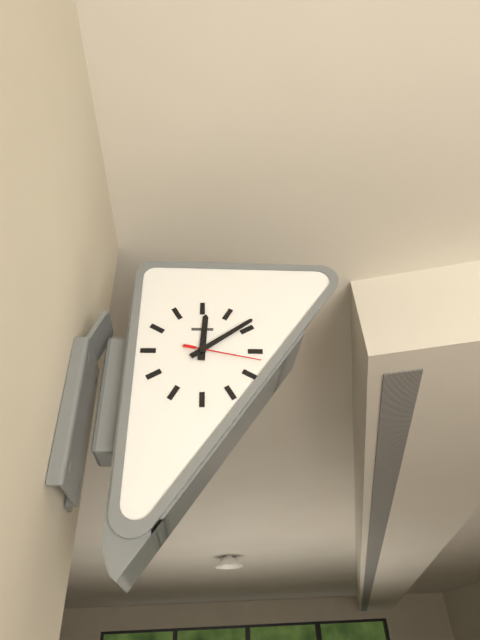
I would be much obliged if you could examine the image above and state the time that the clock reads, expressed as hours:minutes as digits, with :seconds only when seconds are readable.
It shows 12:09:17
